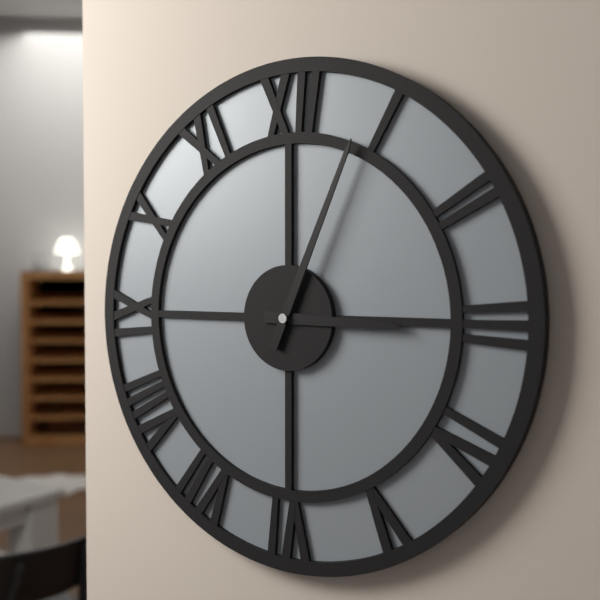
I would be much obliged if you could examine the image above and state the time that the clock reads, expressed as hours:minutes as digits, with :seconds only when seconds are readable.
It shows 3:04
